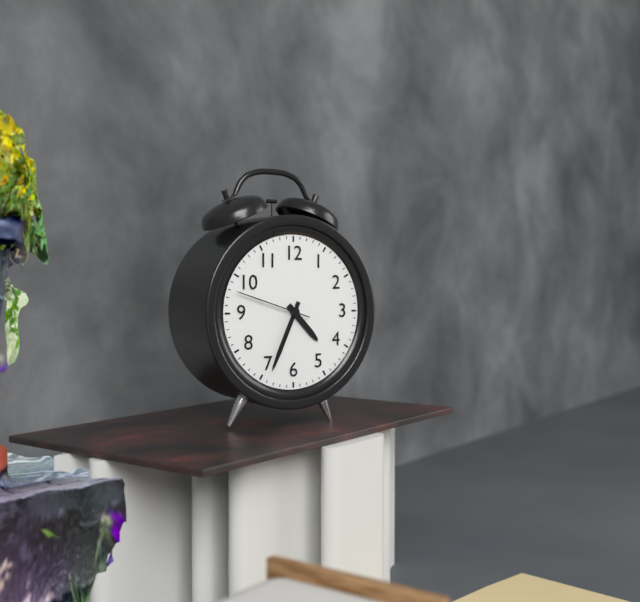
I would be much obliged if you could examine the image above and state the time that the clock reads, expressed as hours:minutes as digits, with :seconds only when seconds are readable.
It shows 4:34:48
